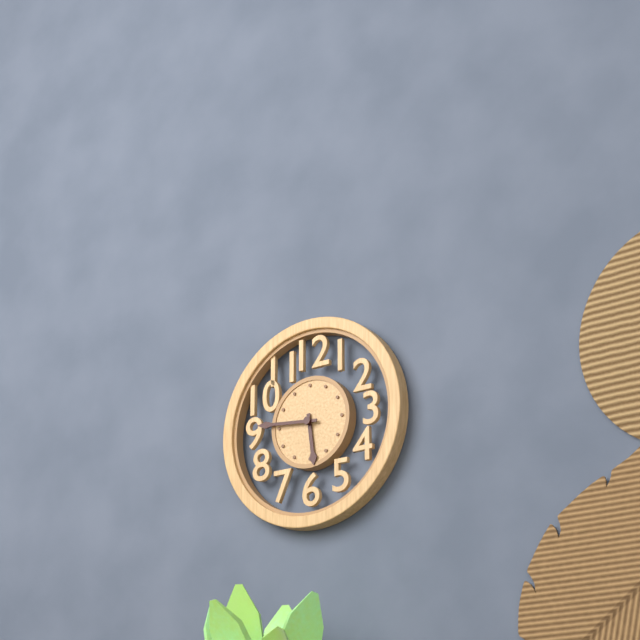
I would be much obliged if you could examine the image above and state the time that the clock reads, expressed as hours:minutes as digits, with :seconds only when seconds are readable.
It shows 5:46
